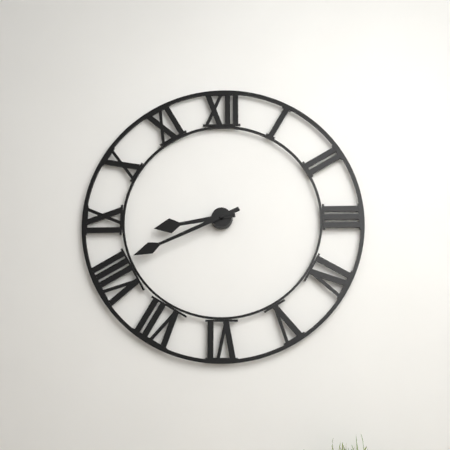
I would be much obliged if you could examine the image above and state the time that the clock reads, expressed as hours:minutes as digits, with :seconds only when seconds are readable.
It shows 8:41
